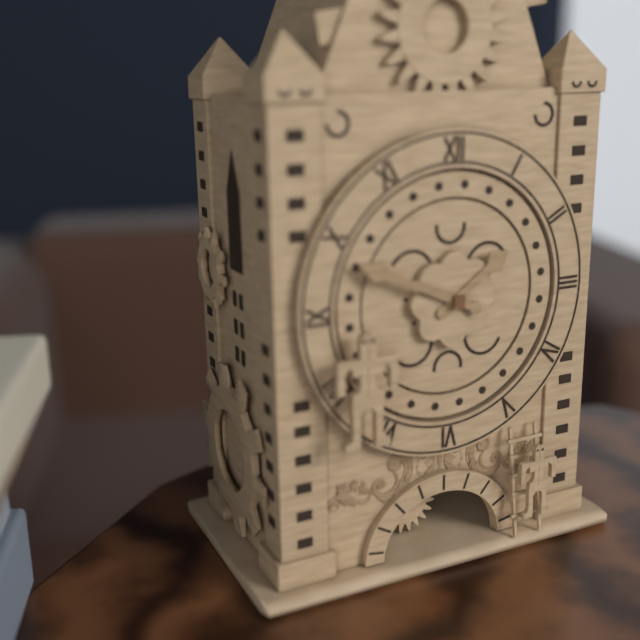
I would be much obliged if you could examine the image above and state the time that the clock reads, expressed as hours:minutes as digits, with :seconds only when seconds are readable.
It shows 1:49
